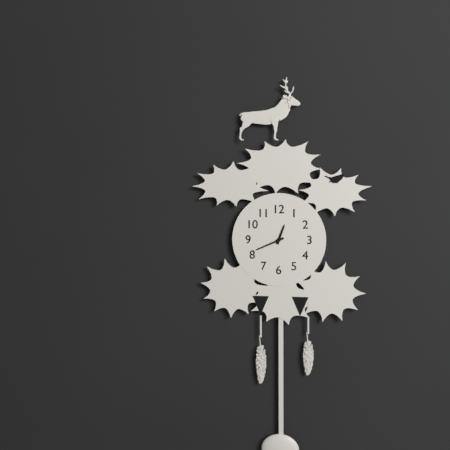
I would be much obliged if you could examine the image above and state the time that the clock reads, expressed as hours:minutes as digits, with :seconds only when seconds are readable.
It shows 12:41
